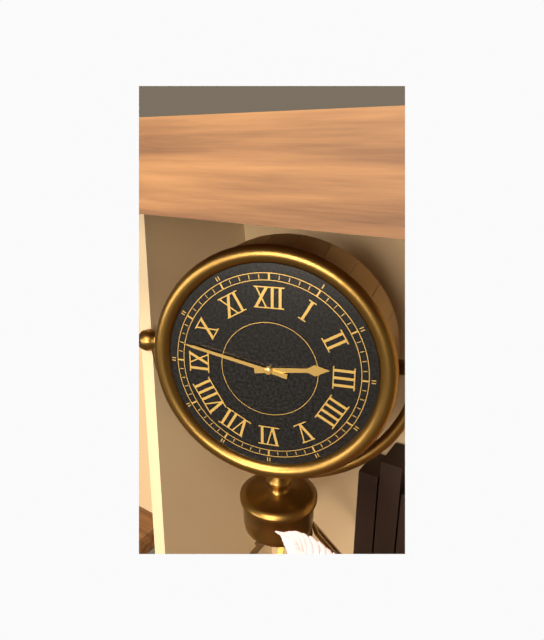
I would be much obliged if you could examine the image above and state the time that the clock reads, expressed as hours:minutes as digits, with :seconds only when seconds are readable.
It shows 2:47
